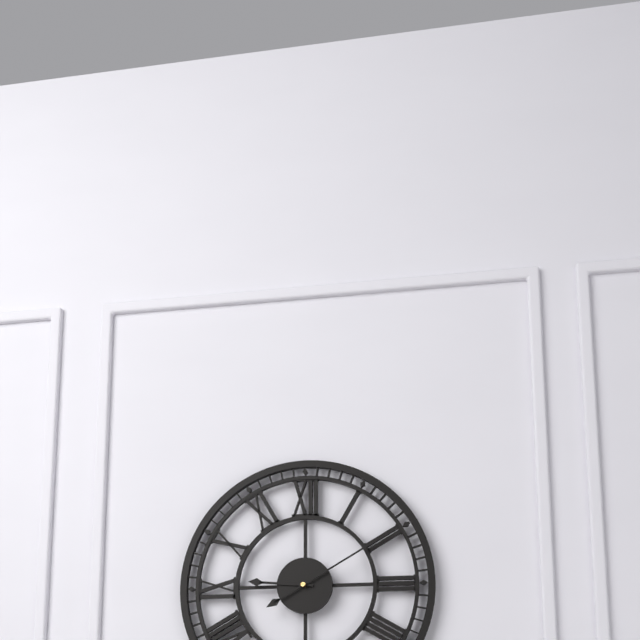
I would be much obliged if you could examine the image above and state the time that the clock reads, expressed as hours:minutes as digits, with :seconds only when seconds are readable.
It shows 9:10
